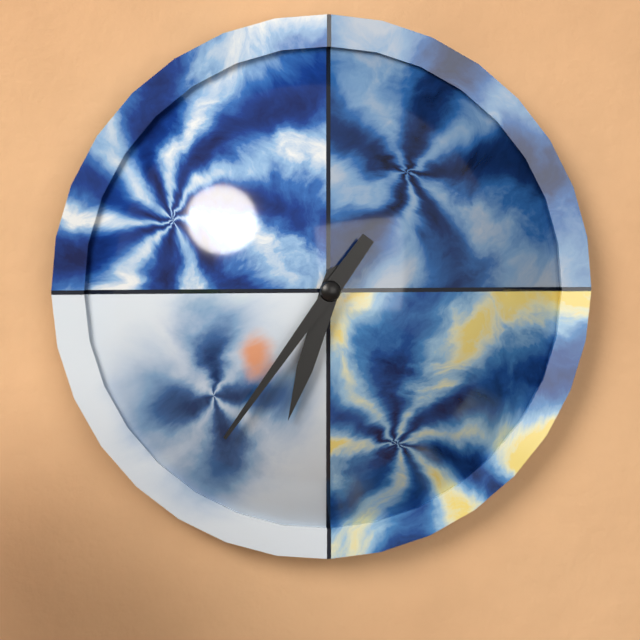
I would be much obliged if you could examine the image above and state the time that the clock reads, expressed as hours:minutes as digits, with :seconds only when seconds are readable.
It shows 6:36
